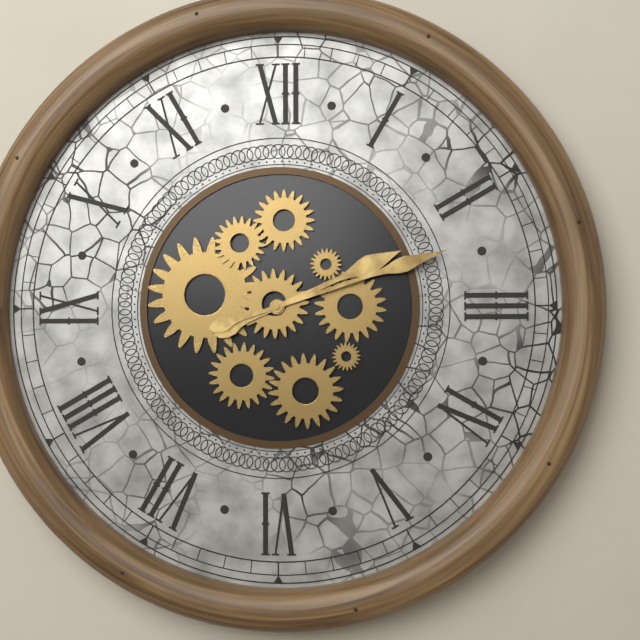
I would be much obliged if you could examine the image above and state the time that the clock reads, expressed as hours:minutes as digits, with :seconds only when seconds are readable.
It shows 2:12
